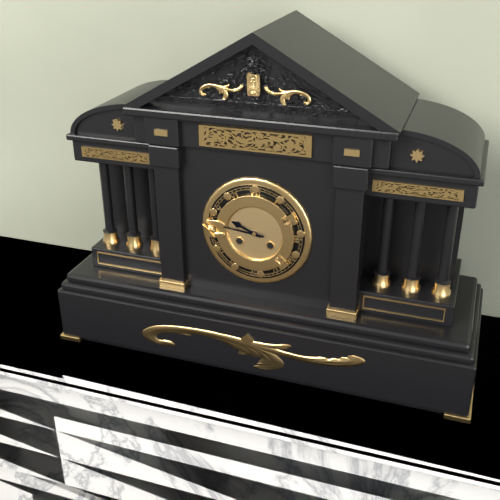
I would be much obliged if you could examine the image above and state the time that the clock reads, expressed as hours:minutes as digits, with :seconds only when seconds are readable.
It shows 9:46
